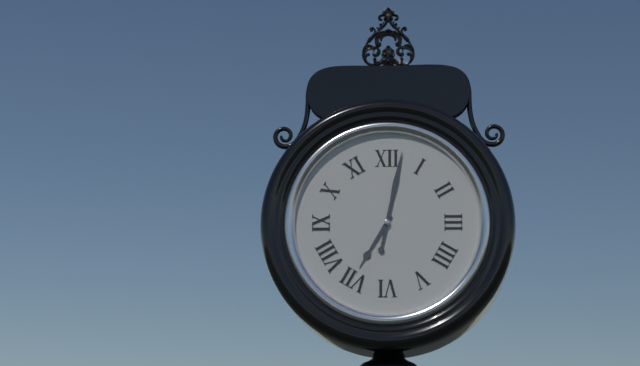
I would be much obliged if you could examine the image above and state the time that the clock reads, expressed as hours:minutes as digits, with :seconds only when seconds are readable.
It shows 7:02
